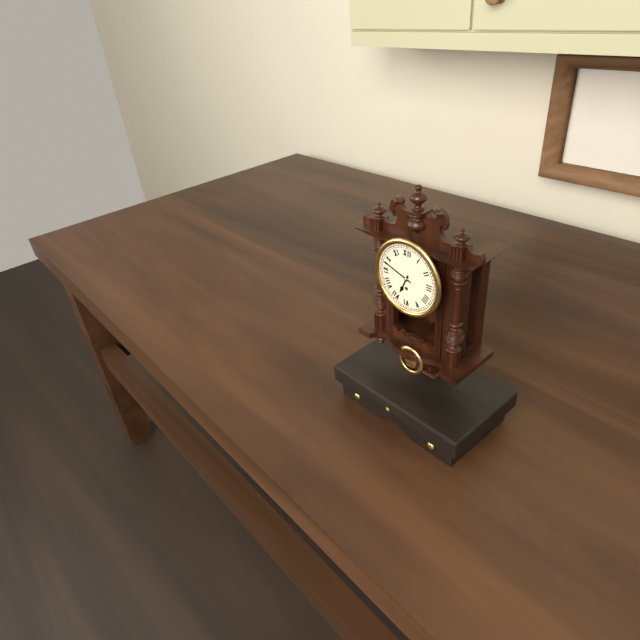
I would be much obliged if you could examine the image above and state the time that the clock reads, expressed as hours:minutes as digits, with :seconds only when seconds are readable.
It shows 6:48
